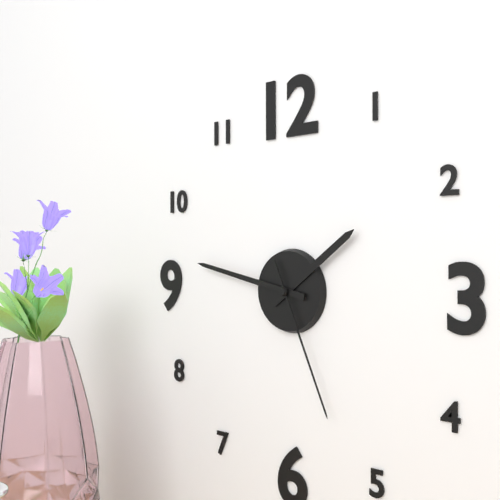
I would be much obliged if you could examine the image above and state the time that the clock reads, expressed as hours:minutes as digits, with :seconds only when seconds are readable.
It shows 1:47:26
